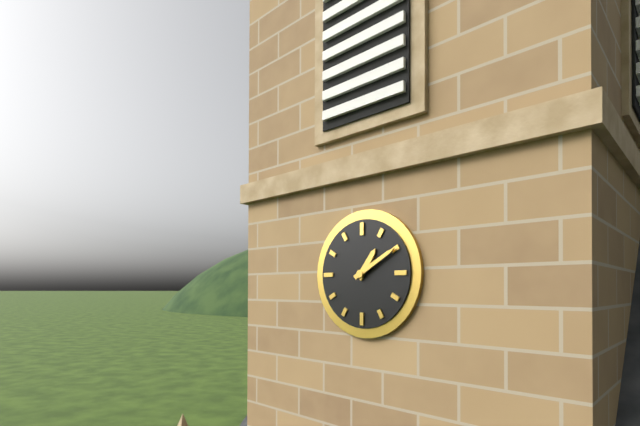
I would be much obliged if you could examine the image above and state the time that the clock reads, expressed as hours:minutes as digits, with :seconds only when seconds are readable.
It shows 1:10
